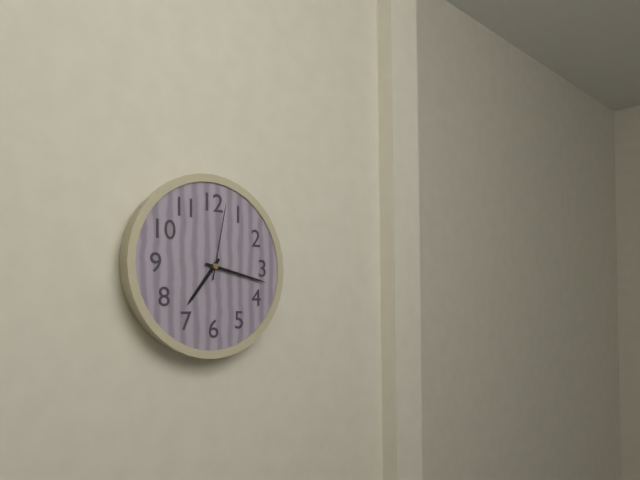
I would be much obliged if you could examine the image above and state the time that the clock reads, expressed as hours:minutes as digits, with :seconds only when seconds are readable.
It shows 7:17:02
